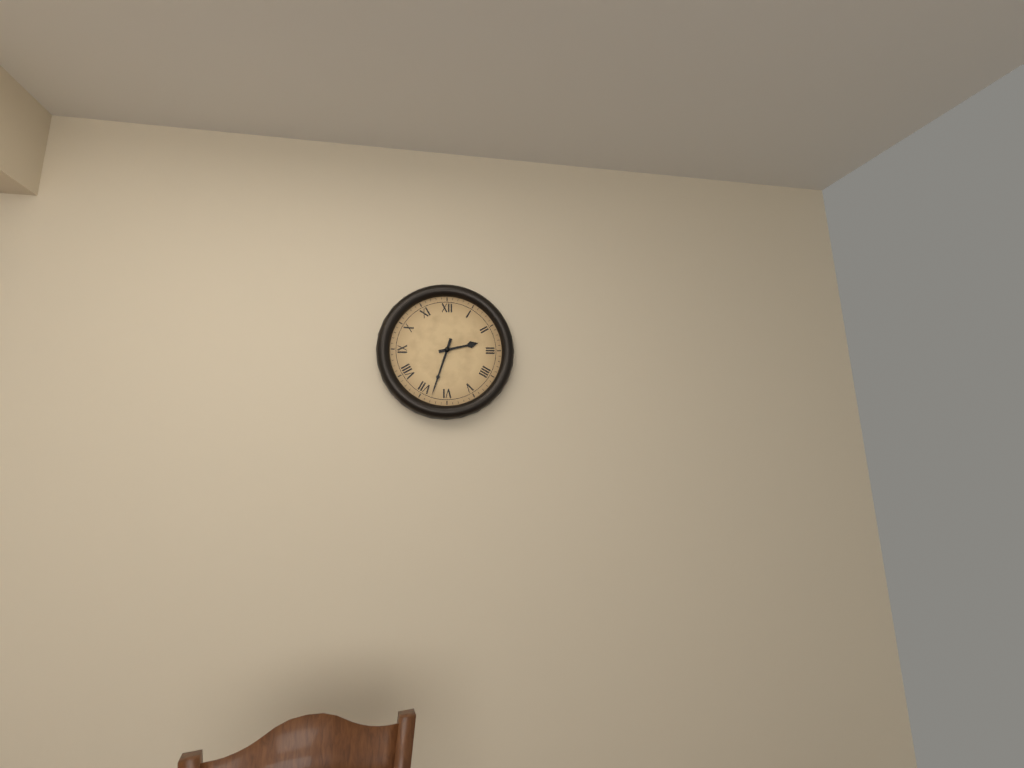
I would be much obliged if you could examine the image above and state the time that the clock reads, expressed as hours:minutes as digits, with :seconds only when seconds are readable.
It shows 2:33
